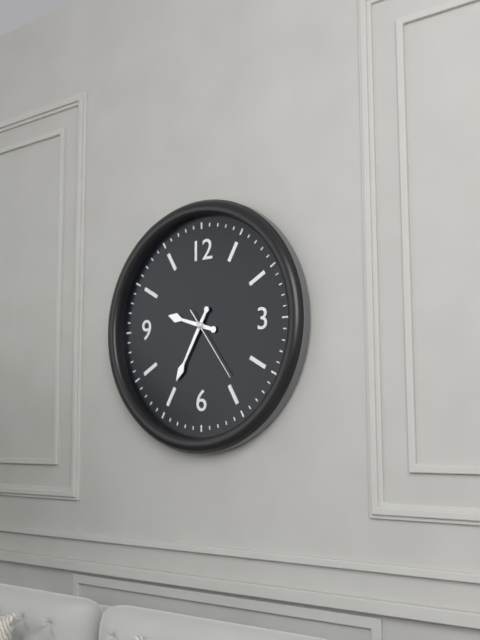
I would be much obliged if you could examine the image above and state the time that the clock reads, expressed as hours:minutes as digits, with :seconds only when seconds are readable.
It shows 9:35:24
